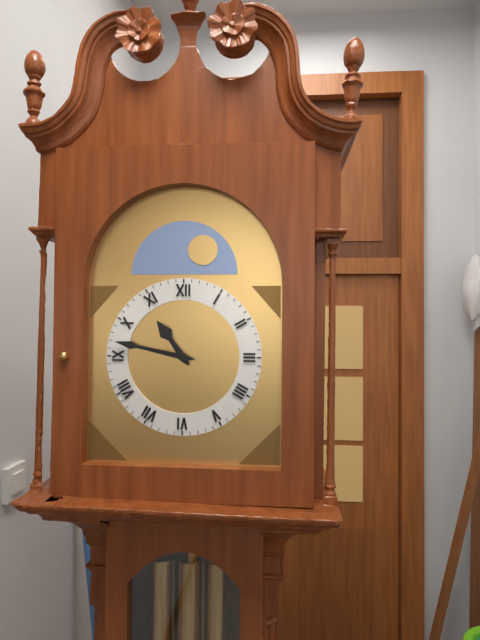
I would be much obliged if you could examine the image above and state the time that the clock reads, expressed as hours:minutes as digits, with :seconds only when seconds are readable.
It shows 10:47
